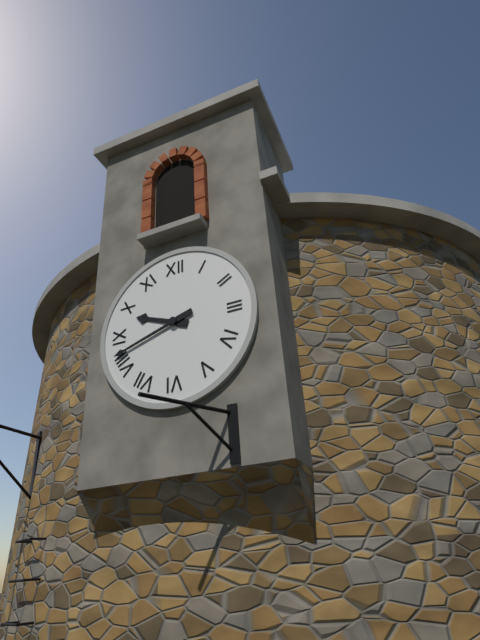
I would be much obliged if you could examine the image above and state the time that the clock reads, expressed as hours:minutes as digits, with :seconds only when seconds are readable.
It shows 9:42
